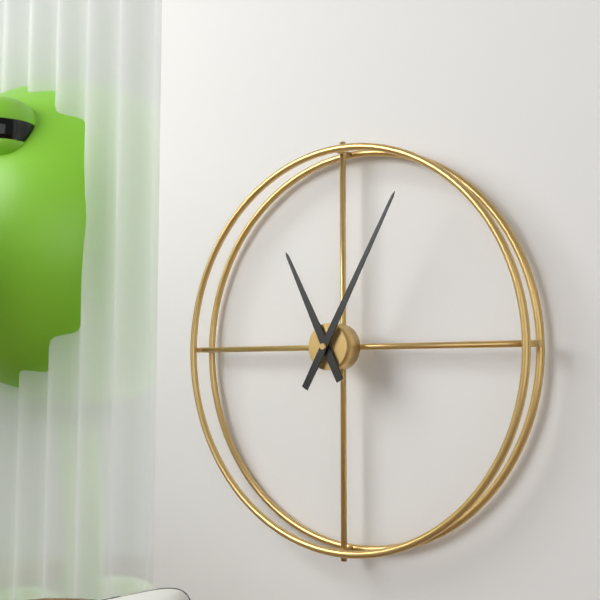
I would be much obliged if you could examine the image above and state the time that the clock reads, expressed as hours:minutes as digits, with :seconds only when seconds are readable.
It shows 11:05
